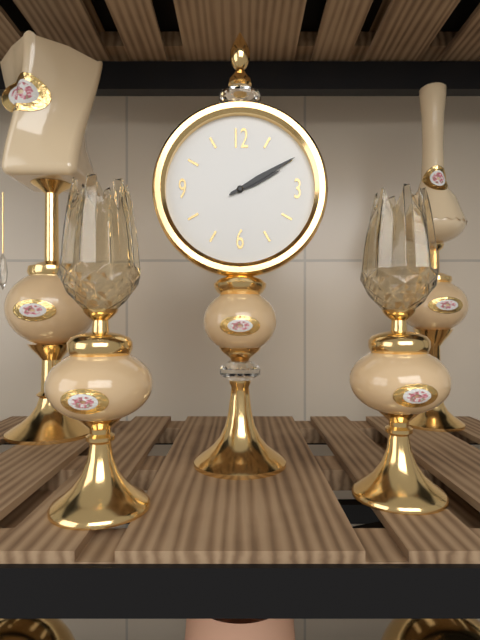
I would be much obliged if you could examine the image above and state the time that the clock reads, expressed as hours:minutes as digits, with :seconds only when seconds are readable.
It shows 2:10
